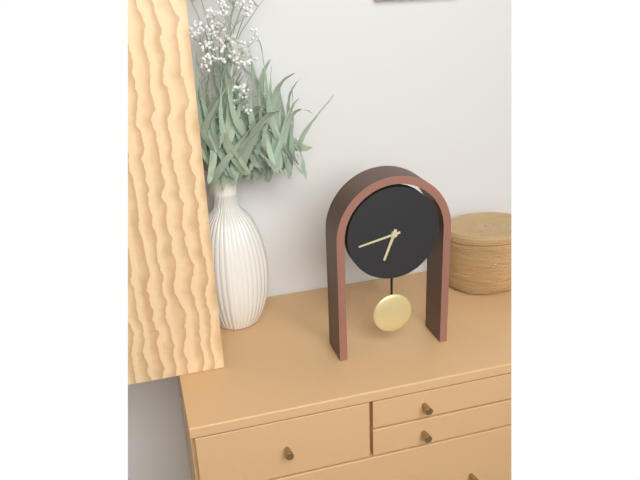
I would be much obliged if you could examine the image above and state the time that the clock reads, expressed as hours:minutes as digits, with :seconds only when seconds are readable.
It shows 6:43
